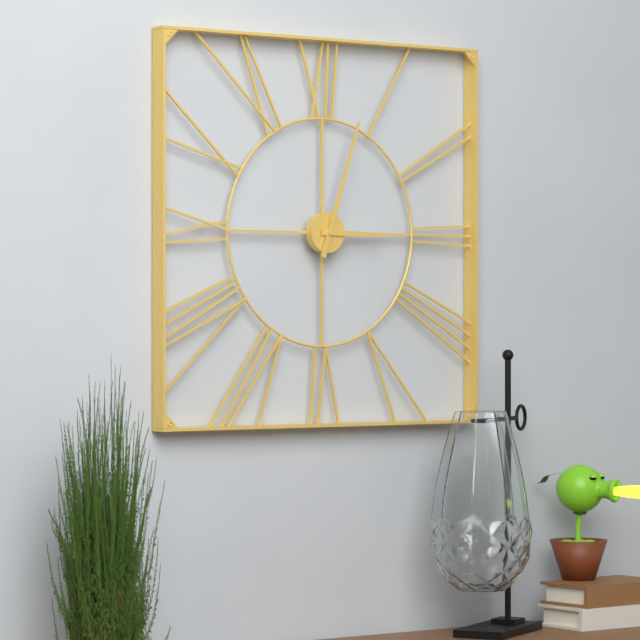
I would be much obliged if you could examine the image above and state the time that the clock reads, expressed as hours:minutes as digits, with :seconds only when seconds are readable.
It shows 3:03
